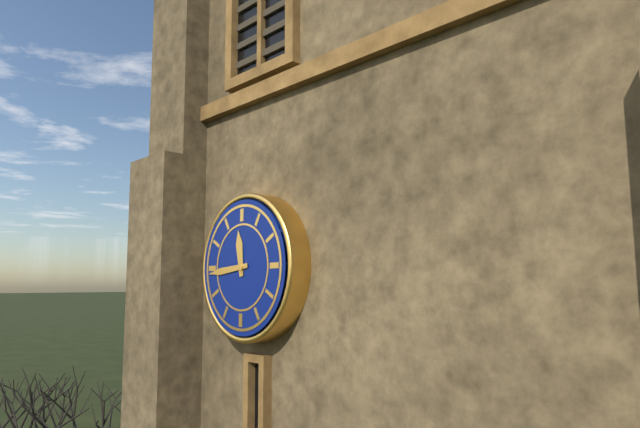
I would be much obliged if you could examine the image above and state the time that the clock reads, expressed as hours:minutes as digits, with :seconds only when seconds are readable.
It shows 11:44
